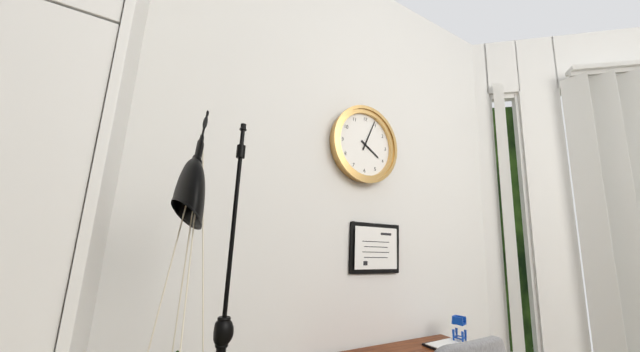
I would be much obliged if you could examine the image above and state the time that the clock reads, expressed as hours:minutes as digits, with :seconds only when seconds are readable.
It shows 4:04
